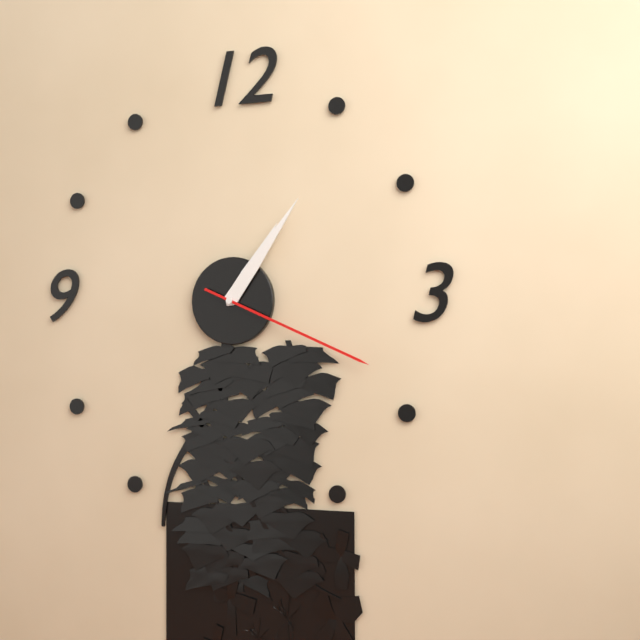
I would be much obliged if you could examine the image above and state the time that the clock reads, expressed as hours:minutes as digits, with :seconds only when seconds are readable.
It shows 1:06:19
